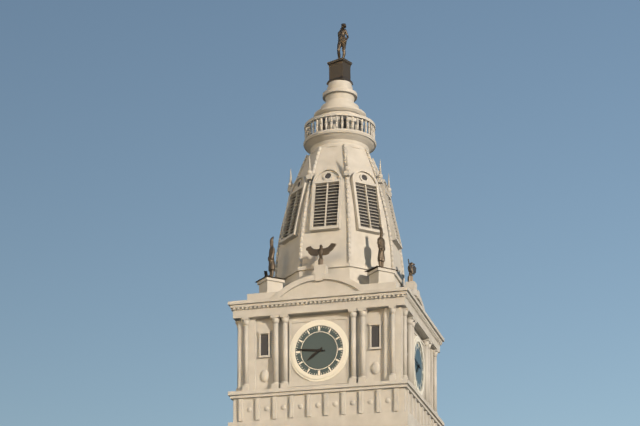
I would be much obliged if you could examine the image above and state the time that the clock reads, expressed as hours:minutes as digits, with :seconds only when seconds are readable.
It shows 7:46
